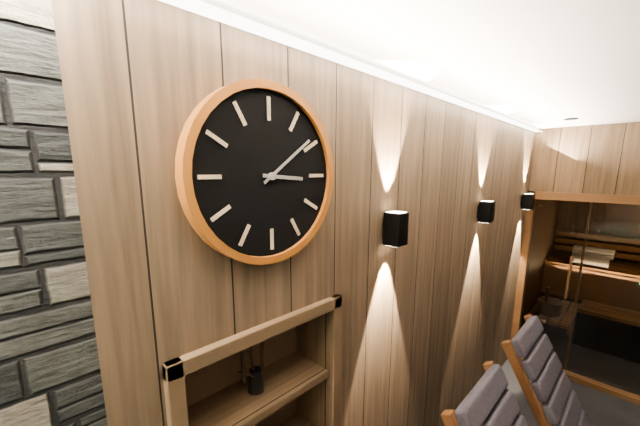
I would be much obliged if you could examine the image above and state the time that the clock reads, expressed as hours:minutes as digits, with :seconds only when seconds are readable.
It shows 3:09
